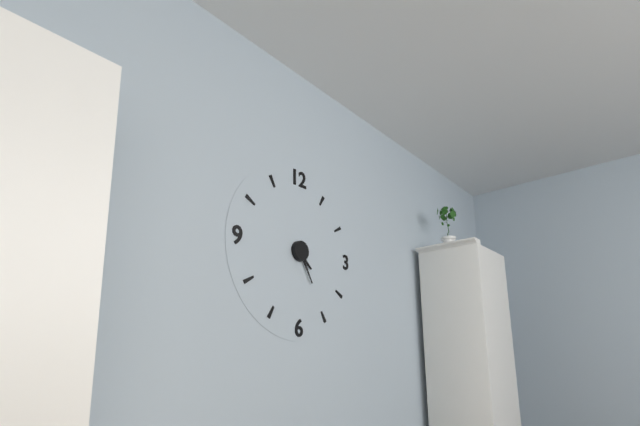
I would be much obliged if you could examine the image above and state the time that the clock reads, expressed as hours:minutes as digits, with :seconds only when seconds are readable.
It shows 4:25
